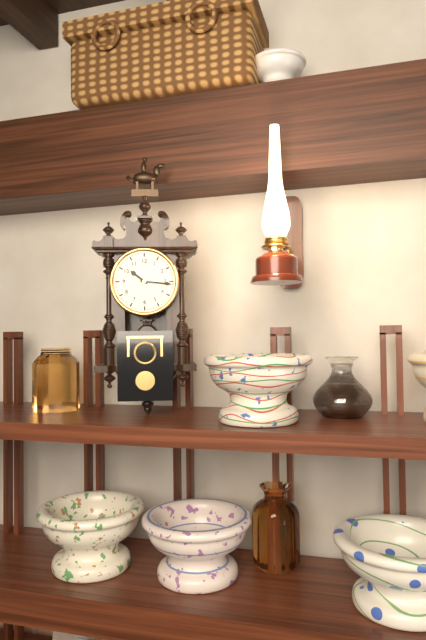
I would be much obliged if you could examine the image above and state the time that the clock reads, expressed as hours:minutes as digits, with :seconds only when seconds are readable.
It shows 10:16
